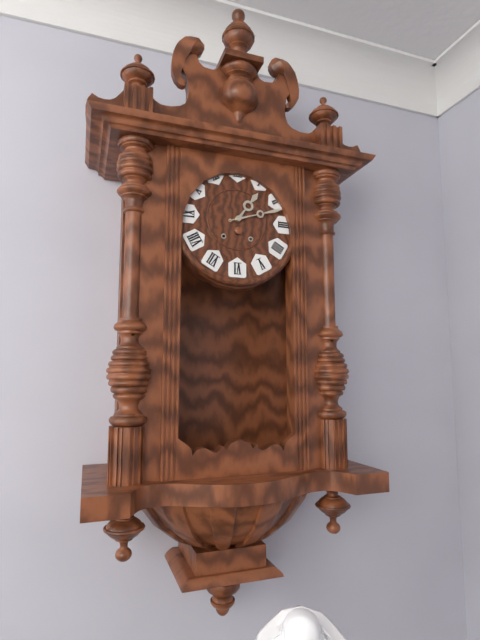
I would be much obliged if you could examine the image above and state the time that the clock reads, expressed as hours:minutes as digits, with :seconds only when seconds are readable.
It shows 1:12
